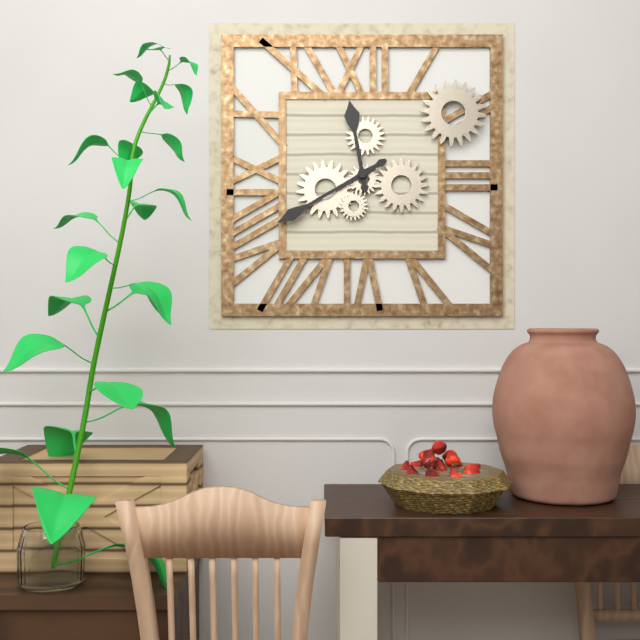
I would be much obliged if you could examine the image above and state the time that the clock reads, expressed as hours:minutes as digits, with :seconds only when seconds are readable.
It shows 11:40
